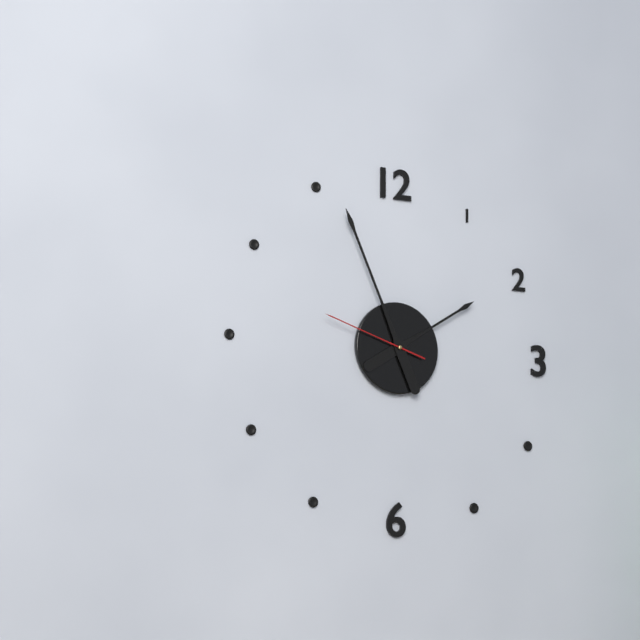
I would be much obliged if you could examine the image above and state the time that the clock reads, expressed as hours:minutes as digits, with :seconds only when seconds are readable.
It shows 1:56:48
